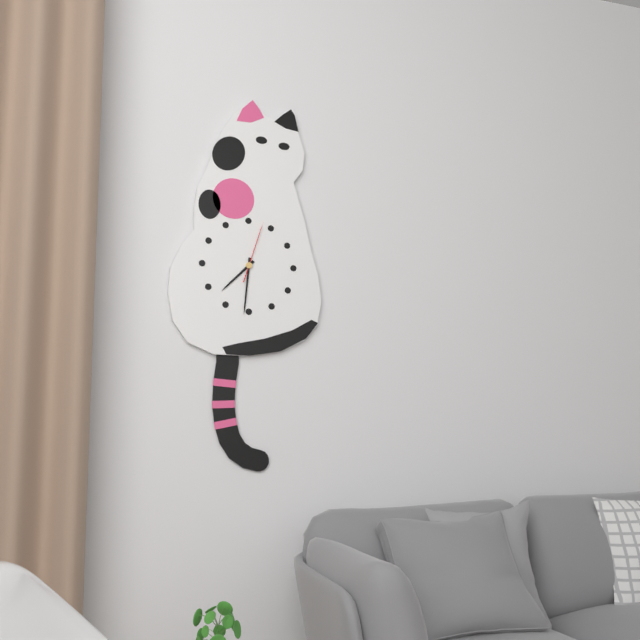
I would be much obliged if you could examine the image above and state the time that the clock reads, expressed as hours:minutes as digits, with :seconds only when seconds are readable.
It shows 7:31:03
